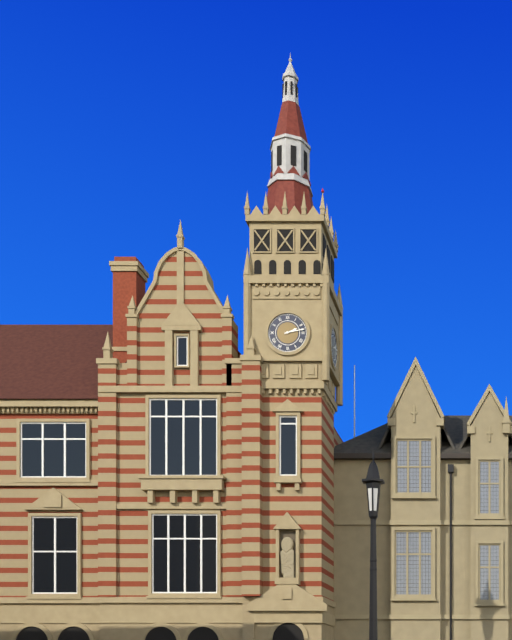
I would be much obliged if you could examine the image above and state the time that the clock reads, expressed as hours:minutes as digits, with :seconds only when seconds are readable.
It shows 2:13
